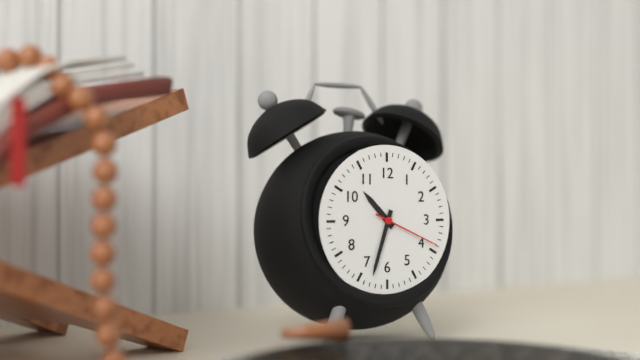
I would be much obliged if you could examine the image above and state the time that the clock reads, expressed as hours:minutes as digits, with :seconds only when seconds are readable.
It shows 10:33:19
